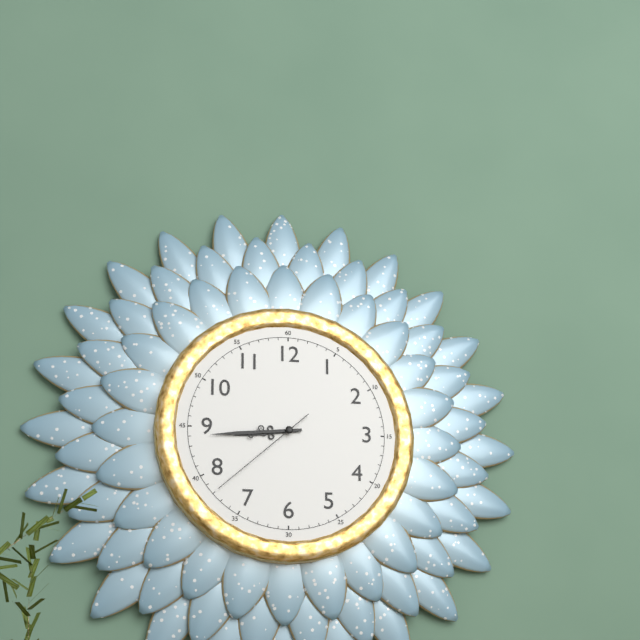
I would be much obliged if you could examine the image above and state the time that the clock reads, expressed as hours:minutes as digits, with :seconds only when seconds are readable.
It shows 8:44:38
